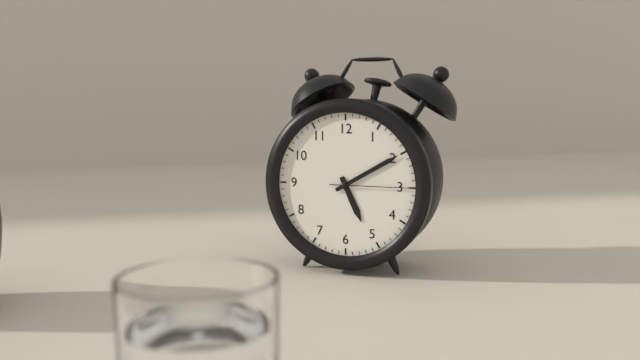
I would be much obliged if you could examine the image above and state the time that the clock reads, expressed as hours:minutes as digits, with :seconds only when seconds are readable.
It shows 5:10:15
